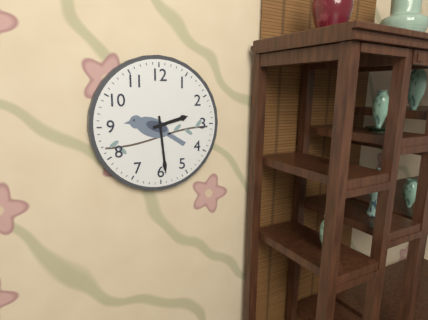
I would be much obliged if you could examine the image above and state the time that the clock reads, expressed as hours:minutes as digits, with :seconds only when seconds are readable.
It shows 2:29
